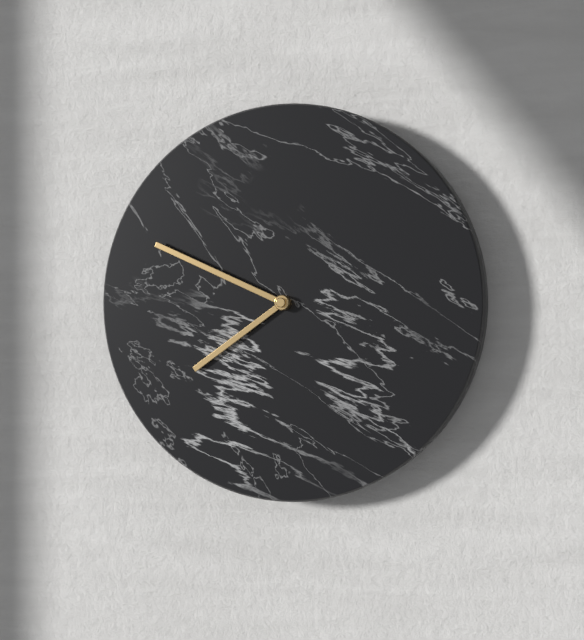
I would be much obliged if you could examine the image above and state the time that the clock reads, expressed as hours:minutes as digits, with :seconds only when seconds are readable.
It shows 7:49
